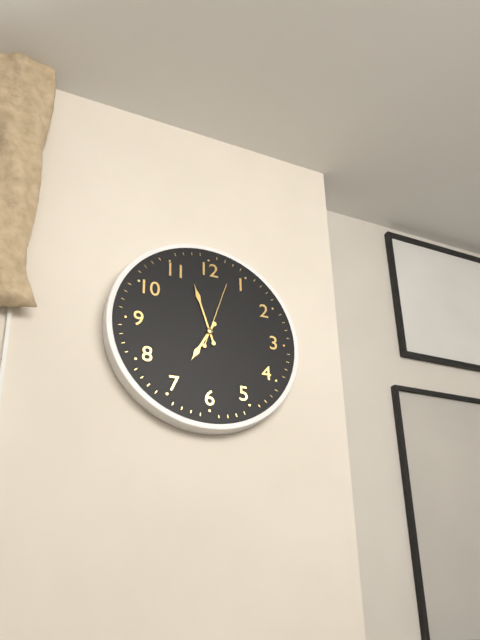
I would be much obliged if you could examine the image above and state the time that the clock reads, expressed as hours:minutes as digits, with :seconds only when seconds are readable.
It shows 6:57:03
